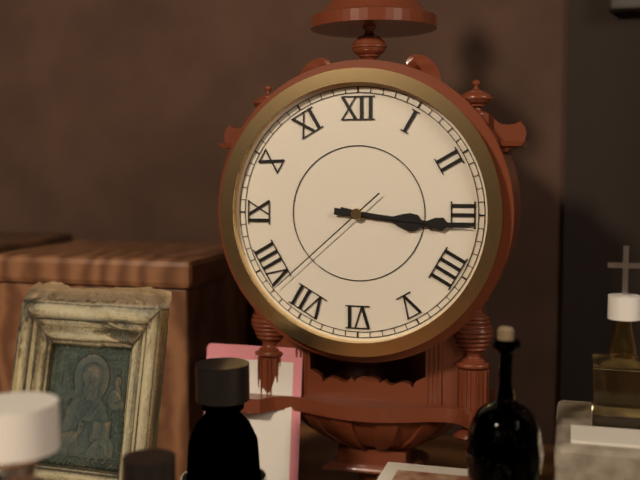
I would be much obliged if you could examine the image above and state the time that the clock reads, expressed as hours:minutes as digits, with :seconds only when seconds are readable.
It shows 3:16:38
